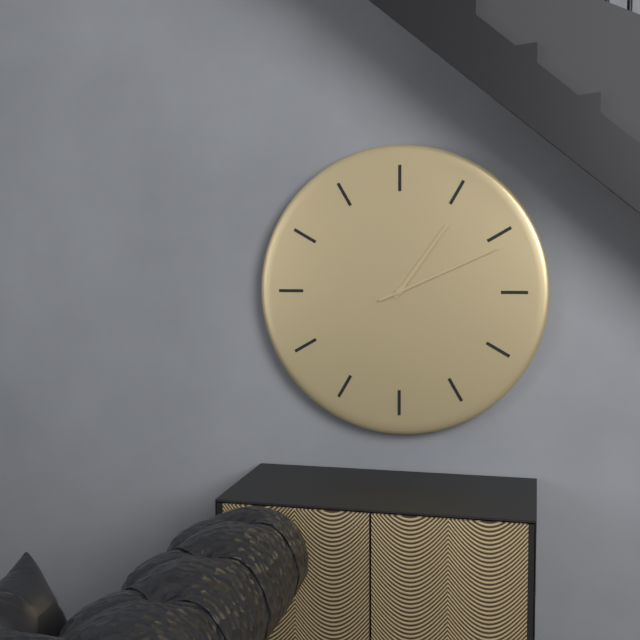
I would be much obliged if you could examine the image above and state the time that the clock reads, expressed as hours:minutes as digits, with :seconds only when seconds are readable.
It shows 1:11
